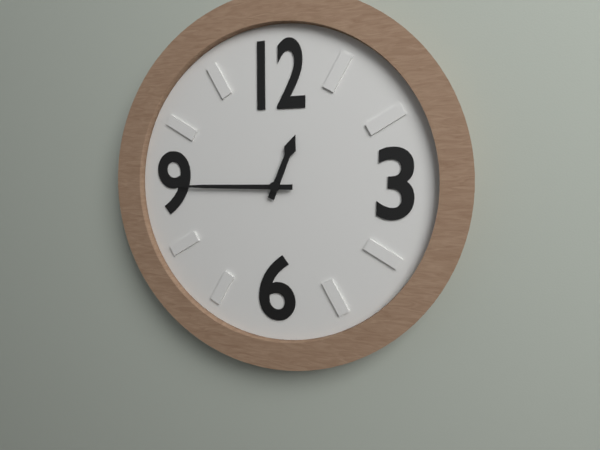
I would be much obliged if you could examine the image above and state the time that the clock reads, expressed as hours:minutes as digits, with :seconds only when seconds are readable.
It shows 12:45
